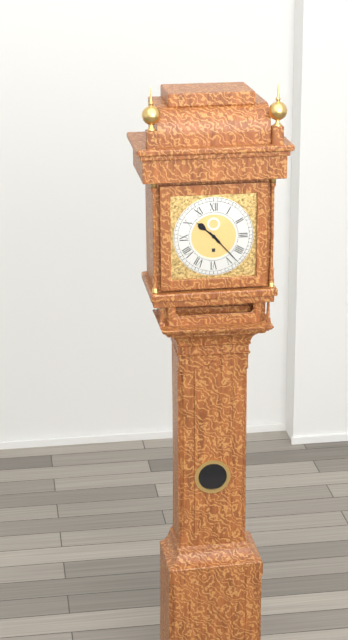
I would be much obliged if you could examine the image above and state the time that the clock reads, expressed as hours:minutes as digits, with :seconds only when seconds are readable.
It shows 10:23
